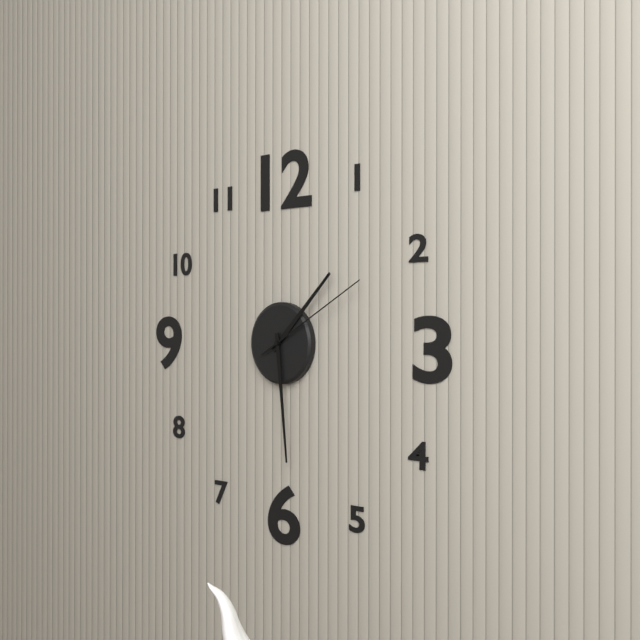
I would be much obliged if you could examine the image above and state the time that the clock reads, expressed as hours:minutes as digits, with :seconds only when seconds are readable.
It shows 1:29:10
